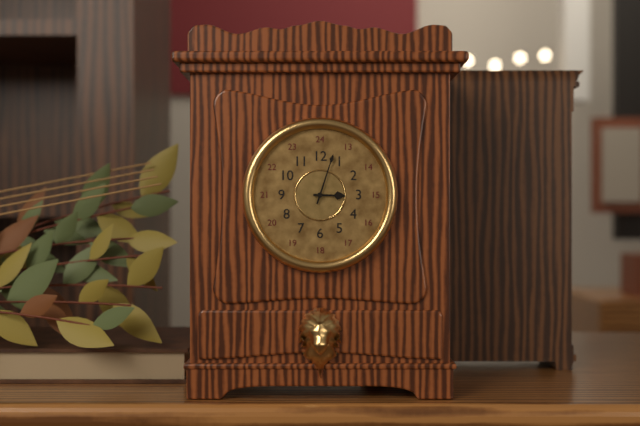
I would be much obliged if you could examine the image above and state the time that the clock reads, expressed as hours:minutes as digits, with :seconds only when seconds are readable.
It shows 3:03
